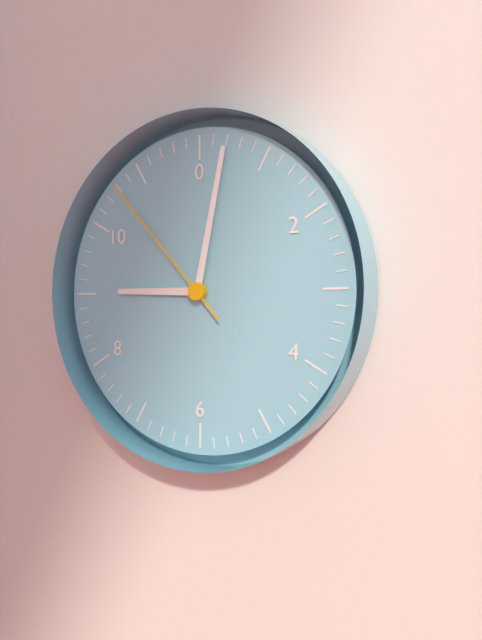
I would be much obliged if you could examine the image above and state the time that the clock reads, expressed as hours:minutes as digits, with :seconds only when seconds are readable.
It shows 9:02:53
